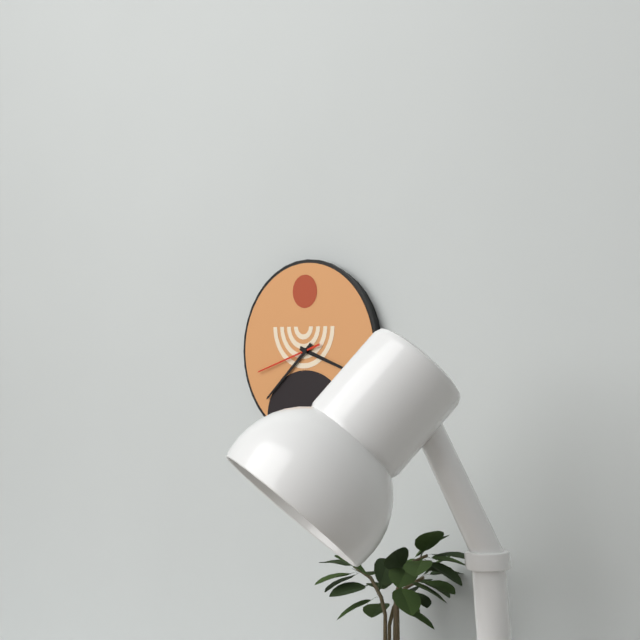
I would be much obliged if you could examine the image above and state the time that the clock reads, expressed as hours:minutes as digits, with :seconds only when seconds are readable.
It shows 3:38:42
